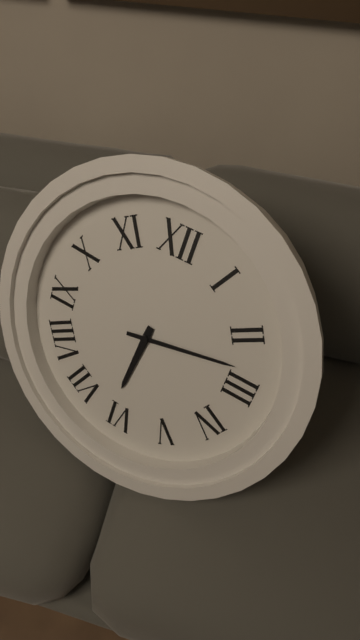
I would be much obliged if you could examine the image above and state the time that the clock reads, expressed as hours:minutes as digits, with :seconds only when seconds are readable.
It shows 6:13
